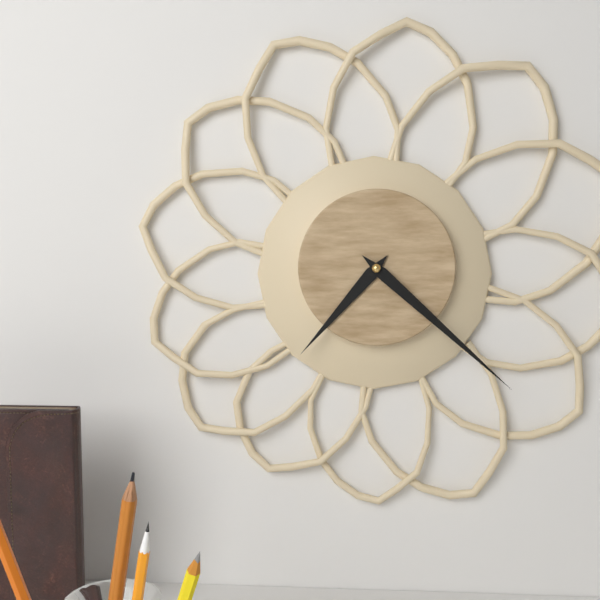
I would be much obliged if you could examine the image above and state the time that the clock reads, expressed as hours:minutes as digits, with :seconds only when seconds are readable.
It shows 7:22
